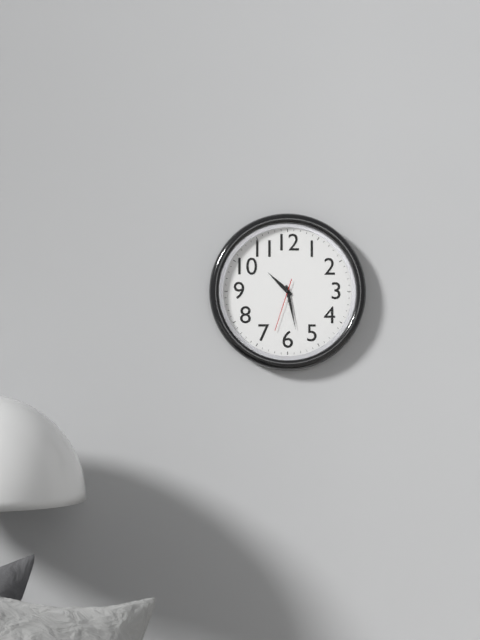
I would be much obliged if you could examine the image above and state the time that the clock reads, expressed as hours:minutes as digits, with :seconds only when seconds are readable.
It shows 10:28:33
